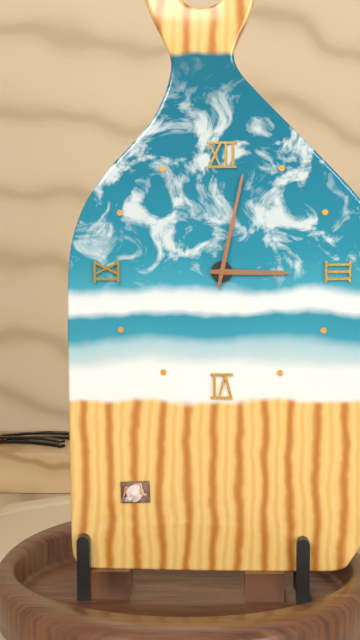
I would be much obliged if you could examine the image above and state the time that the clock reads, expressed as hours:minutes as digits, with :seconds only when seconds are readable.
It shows 3:02
